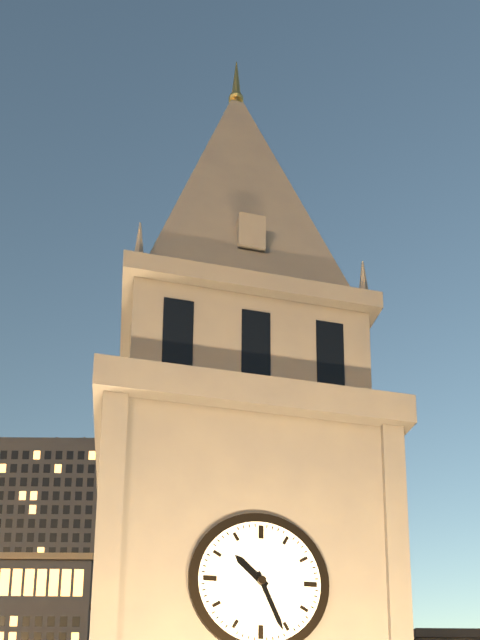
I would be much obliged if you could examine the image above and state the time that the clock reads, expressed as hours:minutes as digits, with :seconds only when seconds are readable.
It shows 10:26
